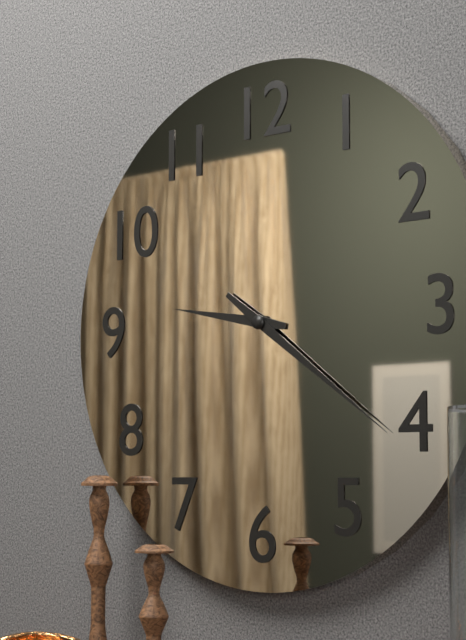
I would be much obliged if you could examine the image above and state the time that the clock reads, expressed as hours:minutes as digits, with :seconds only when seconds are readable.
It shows 9:21
